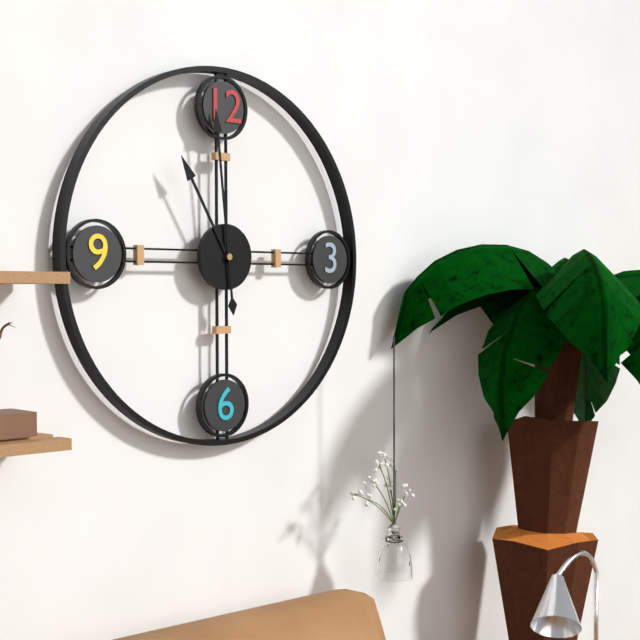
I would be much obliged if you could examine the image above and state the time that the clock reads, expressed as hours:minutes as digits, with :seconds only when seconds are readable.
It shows 10:59
